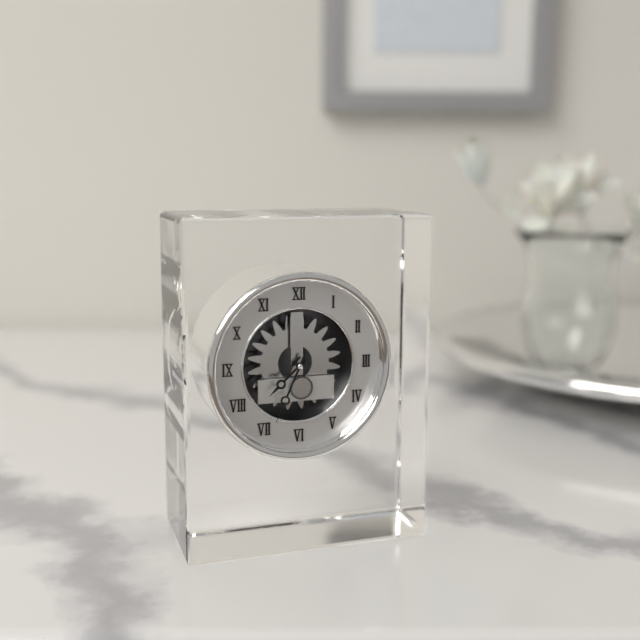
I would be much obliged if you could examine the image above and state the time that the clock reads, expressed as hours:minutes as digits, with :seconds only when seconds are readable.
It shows 7:34
